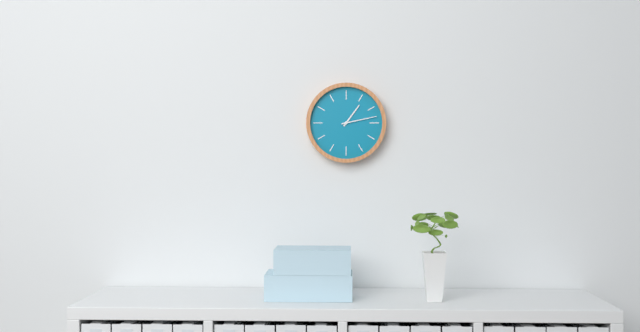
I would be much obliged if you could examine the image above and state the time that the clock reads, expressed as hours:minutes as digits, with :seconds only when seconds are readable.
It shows 1:13
